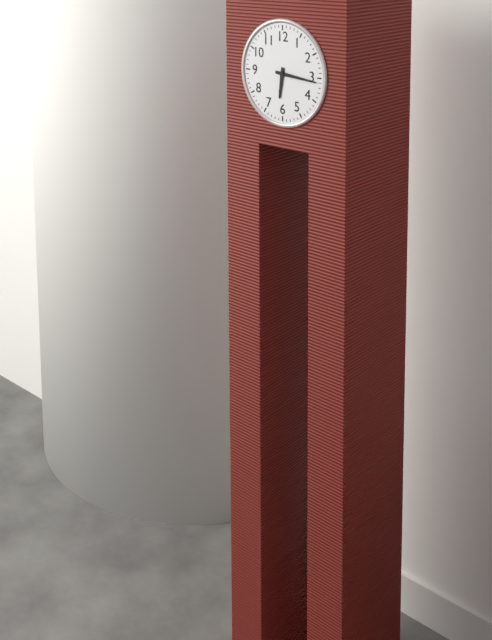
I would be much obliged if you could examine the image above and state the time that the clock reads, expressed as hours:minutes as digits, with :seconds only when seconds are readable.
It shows 6:16
